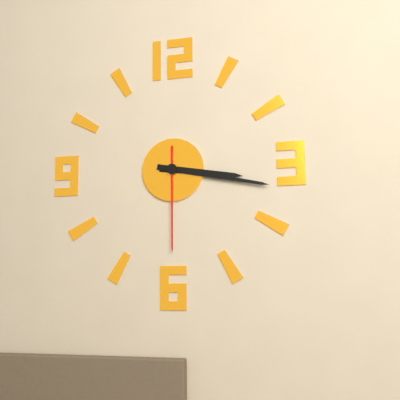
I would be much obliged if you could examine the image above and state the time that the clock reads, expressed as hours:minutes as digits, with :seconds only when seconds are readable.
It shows 3:17:30
